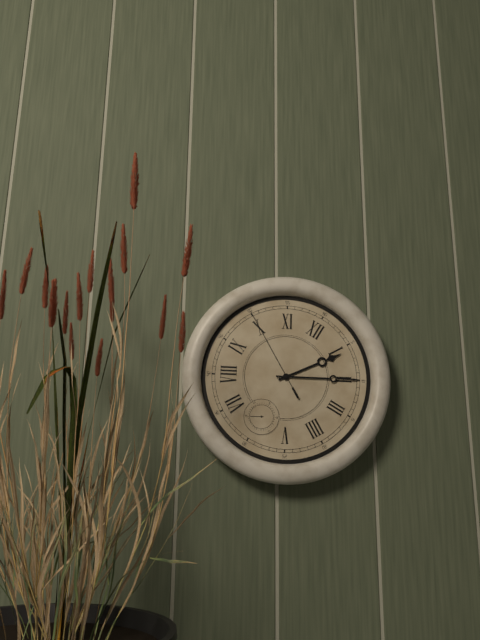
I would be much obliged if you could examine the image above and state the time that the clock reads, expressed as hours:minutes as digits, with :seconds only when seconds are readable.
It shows 1:10:50
